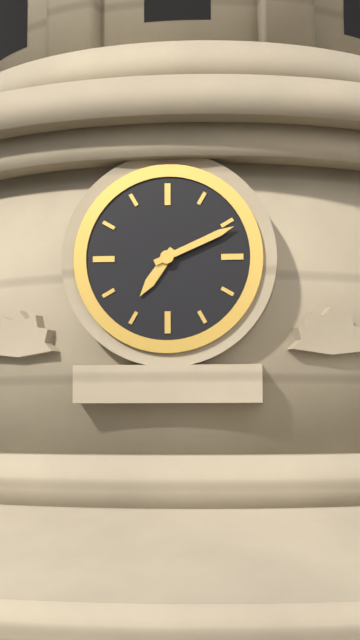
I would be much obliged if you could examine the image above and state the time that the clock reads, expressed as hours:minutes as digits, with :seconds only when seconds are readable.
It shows 7:11
